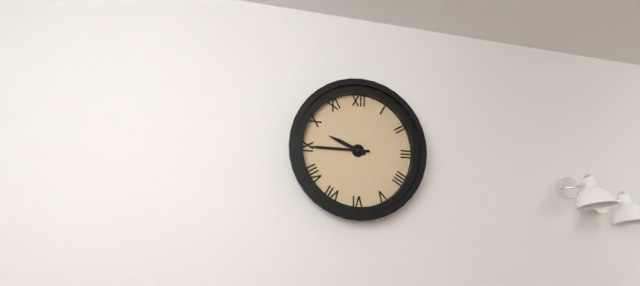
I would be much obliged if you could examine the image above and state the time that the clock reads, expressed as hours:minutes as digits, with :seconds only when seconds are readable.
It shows 9:45
